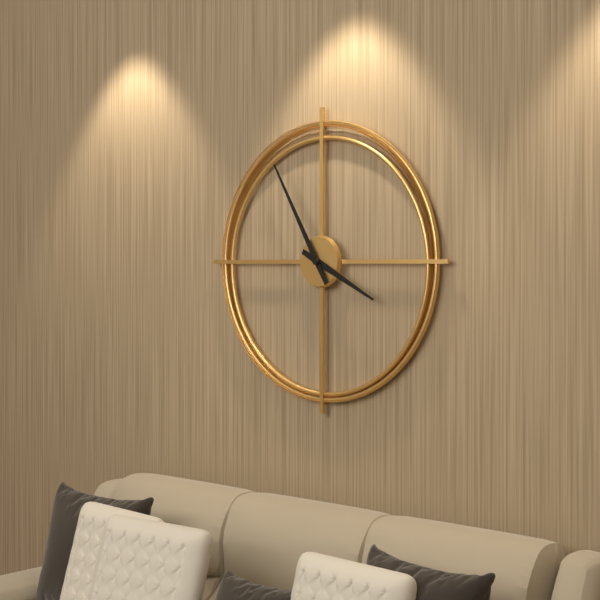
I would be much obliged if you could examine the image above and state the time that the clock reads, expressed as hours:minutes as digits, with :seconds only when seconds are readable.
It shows 3:55
